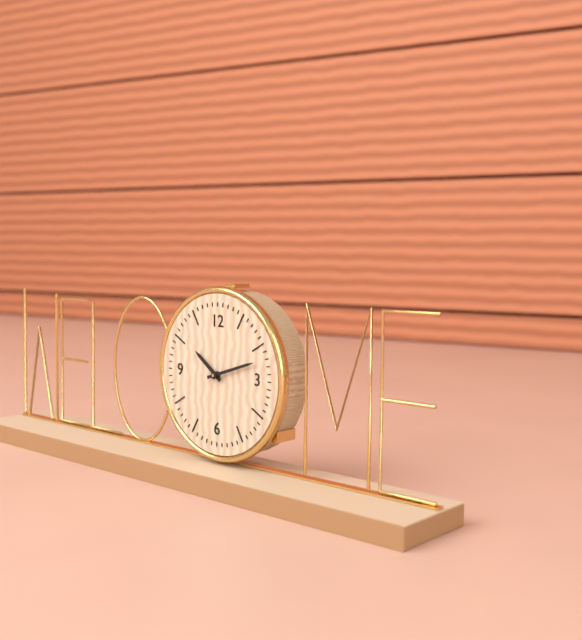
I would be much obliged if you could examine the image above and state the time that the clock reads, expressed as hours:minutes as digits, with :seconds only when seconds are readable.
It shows 10:12
